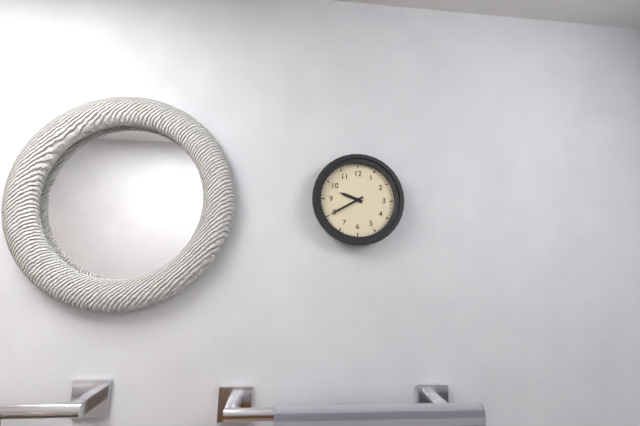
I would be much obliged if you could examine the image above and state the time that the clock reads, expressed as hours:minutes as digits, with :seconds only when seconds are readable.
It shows 9:40
